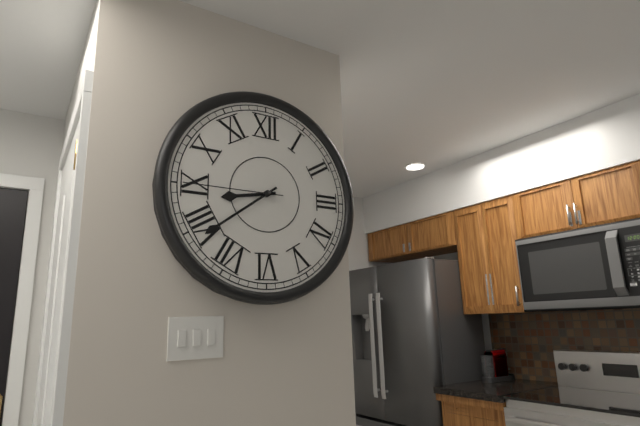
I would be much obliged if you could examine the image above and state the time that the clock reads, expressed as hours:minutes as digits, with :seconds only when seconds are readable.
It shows 8:39:45
